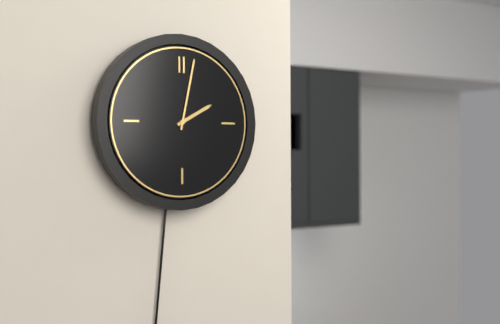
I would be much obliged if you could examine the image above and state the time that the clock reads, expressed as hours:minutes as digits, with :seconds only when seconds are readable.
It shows 2:02
